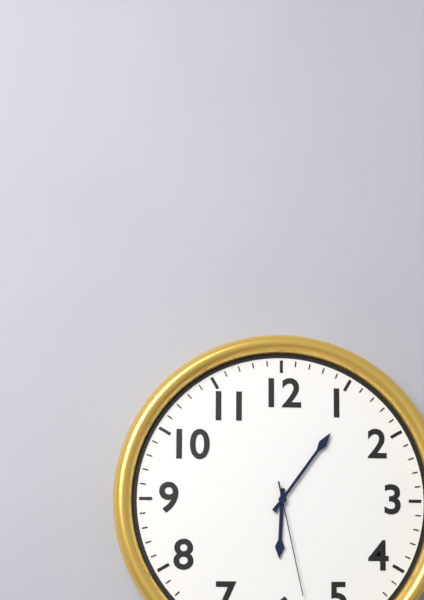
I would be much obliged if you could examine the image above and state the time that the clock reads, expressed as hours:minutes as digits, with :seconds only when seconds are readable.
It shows 6:06:28
